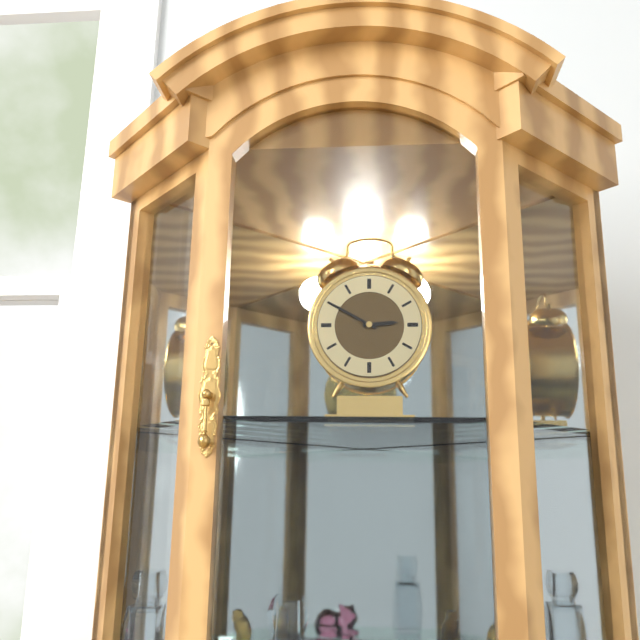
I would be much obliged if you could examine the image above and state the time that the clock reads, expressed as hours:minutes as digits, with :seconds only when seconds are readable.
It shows 2:50
